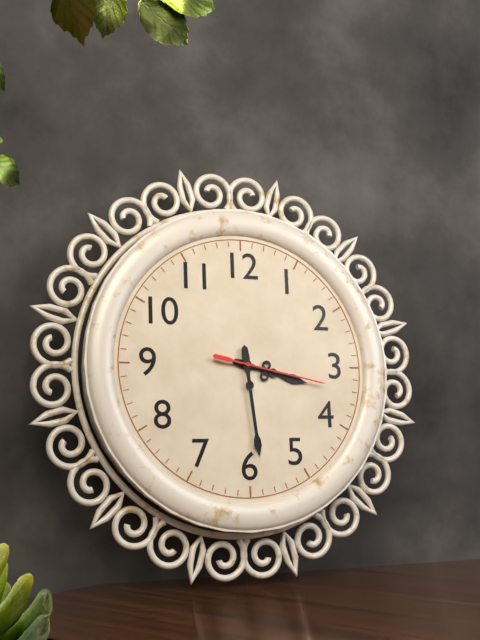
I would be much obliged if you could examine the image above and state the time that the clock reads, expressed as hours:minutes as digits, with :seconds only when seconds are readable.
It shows 3:29:17
